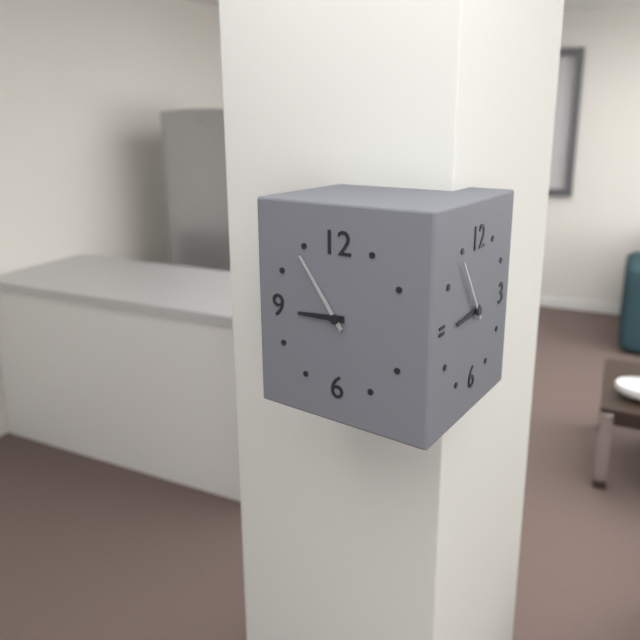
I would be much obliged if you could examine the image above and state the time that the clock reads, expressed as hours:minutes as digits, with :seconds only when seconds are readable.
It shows 8:54
